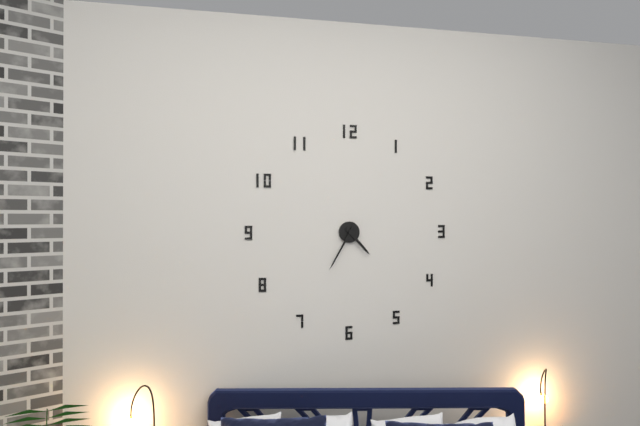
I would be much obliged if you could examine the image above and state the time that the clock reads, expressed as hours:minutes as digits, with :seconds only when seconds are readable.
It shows 4:35
